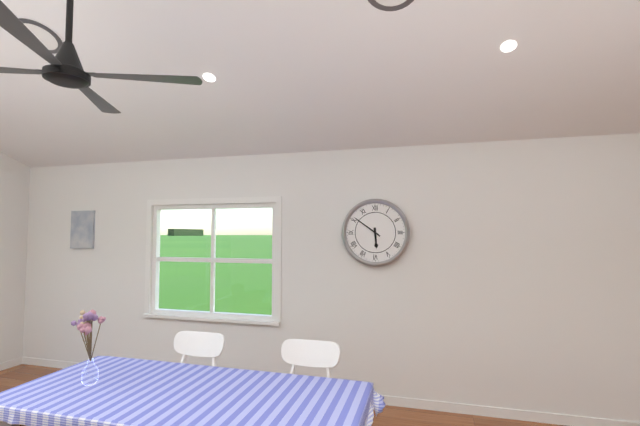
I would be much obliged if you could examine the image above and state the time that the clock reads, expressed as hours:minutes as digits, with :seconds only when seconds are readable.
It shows 5:51
